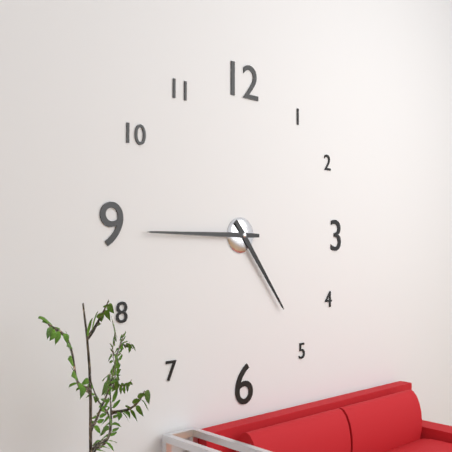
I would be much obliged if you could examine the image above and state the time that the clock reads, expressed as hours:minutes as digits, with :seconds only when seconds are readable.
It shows 4:45
